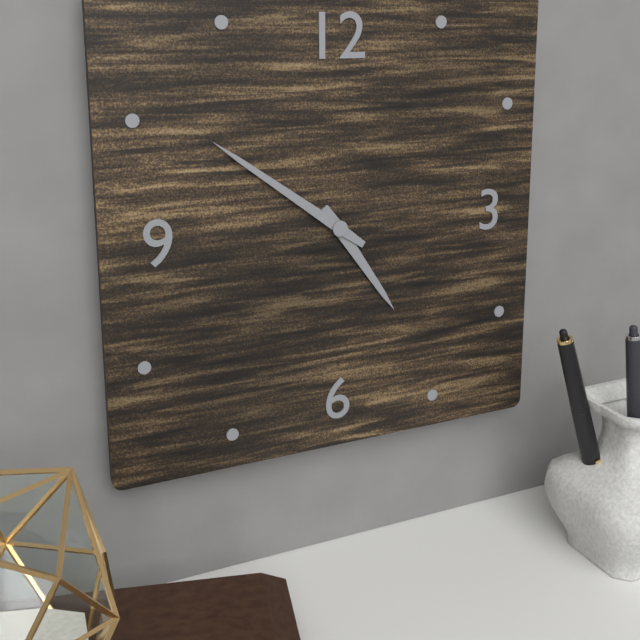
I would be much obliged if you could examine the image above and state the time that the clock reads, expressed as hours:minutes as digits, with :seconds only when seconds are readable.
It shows 4:51
